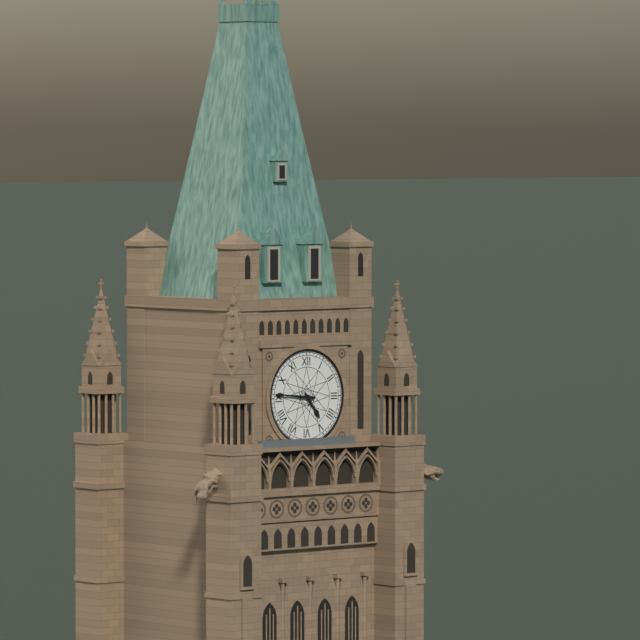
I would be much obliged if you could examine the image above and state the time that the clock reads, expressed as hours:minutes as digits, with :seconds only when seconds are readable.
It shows 4:46
